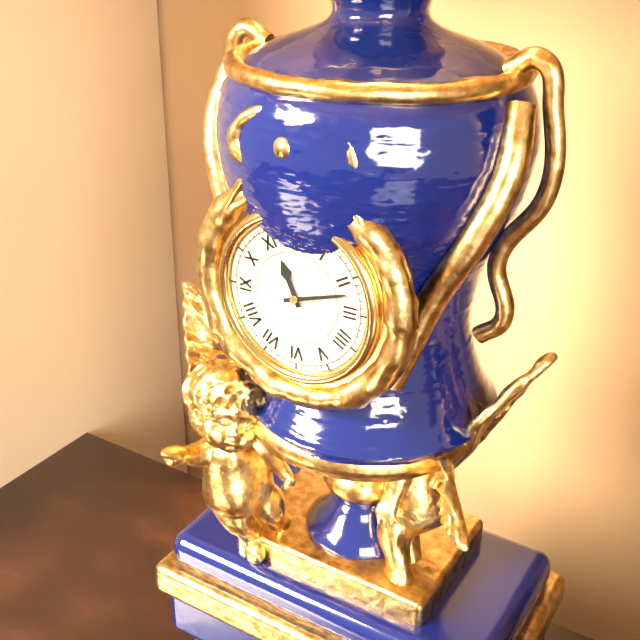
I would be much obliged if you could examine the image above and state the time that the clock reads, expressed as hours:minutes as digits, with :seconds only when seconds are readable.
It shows 11:12
